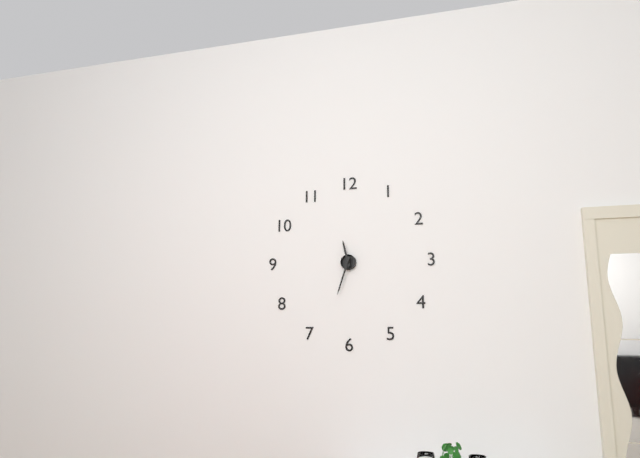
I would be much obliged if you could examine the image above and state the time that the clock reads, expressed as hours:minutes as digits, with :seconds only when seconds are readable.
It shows 11:33
